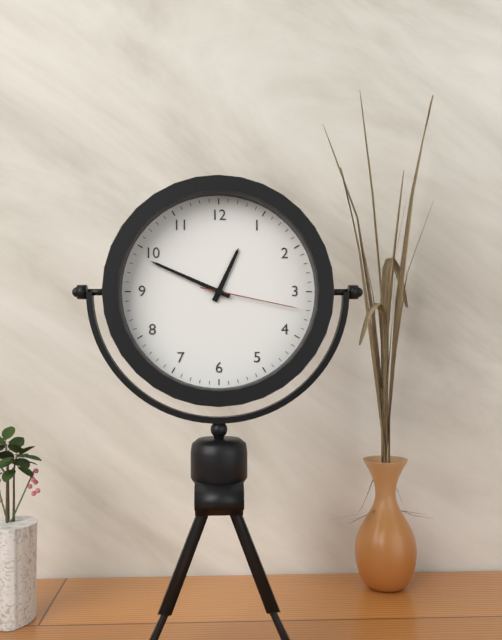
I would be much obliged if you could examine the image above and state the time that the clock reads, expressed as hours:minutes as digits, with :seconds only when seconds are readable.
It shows 12:49:17
